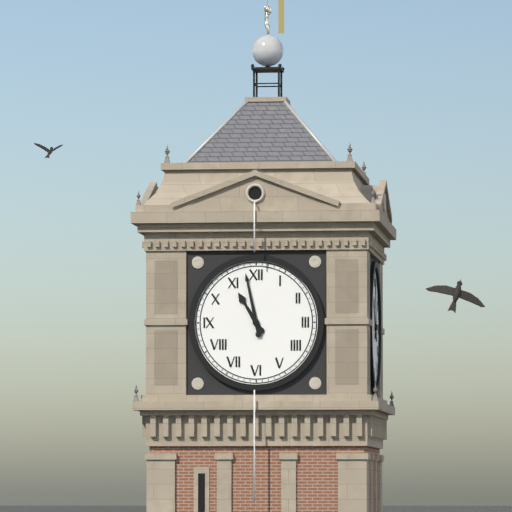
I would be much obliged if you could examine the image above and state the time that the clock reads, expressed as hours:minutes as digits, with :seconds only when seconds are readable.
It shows 10:58
